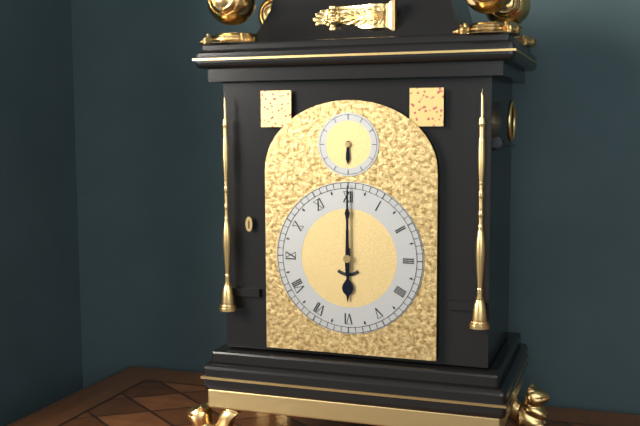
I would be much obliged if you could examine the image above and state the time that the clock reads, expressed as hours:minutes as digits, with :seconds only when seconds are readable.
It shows 6:00
